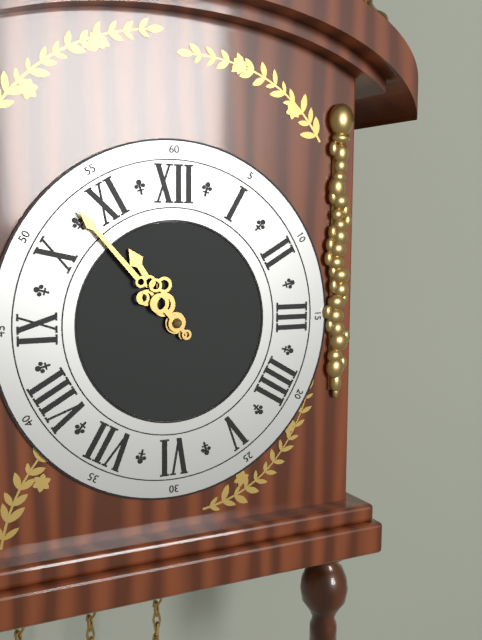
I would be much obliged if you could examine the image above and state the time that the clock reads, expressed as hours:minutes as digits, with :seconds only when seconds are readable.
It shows 10:53
